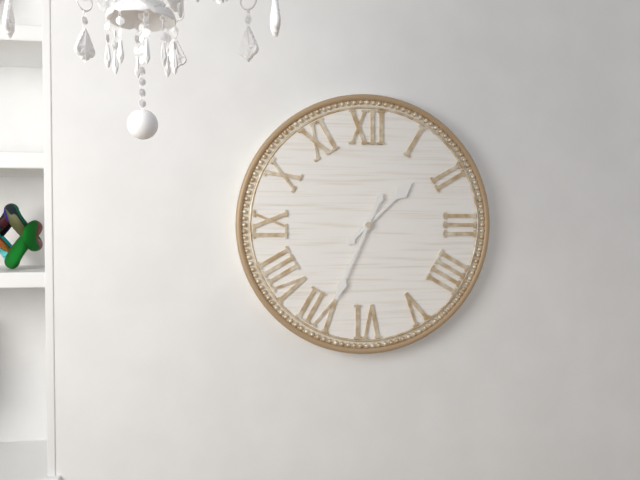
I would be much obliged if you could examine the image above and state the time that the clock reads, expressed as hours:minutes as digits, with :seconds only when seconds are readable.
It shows 1:34
